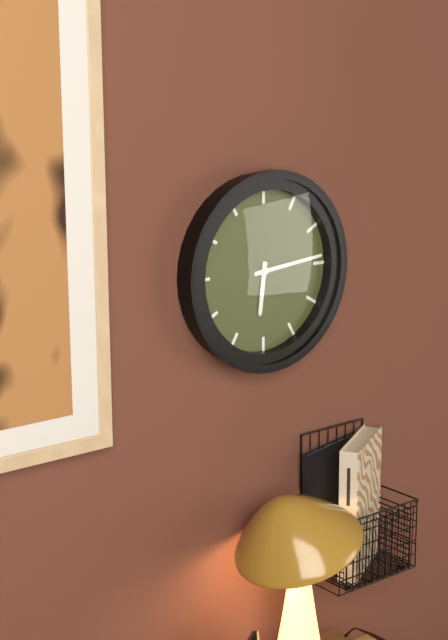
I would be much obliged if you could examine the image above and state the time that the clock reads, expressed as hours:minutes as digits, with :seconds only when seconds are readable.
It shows 6:14
